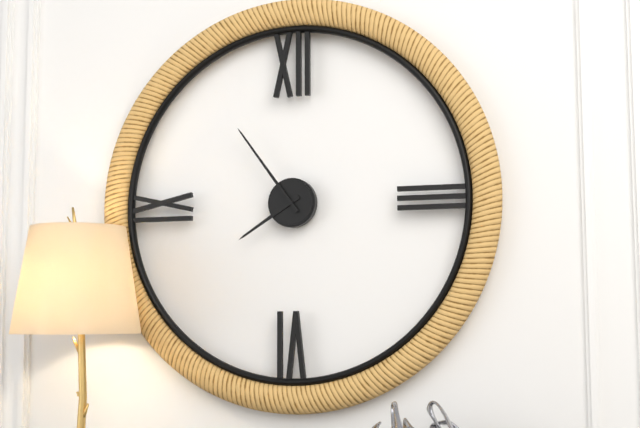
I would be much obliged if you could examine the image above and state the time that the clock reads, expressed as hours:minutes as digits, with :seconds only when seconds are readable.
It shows 7:54
